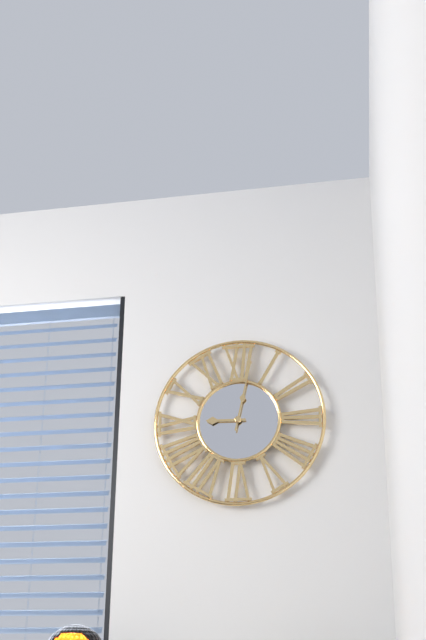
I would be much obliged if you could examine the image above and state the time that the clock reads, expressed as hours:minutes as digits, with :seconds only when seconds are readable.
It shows 9:02
